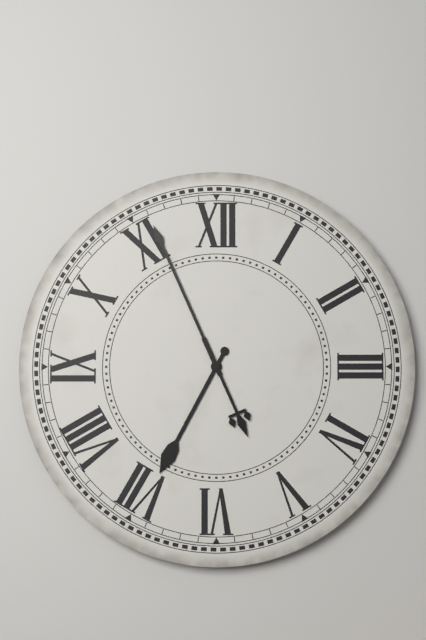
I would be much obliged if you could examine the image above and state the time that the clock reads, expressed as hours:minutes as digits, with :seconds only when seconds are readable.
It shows 6:56
